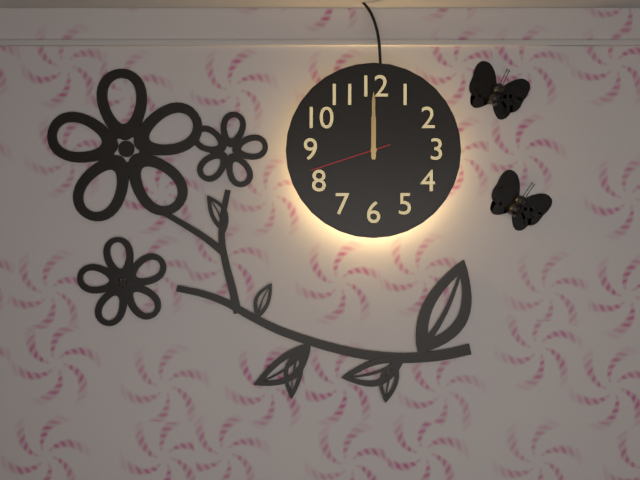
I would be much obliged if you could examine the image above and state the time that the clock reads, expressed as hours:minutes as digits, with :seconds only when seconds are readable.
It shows 12:00:42
